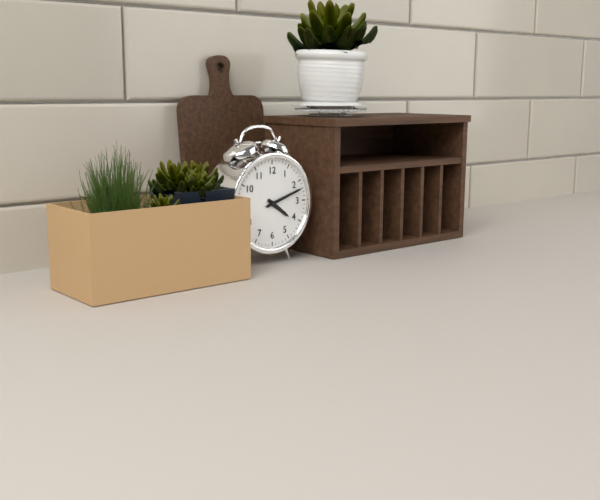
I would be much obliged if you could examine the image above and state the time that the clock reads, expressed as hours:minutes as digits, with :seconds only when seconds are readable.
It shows 4:12
